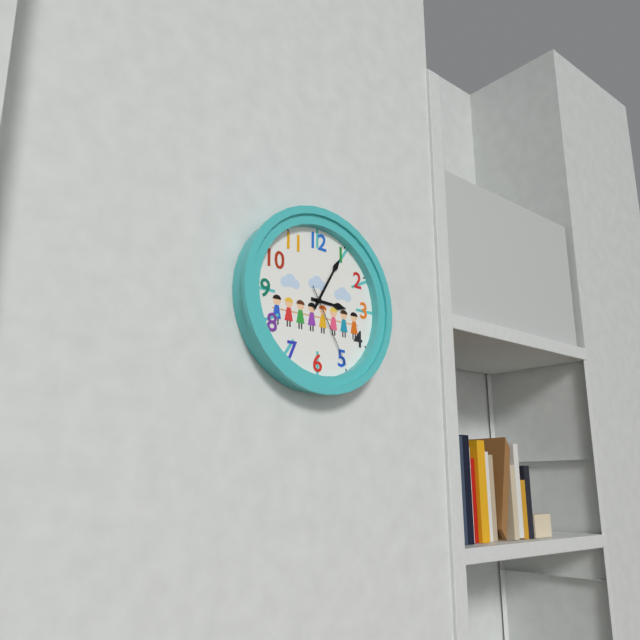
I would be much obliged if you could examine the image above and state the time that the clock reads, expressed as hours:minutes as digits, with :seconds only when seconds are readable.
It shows 3:05:25
